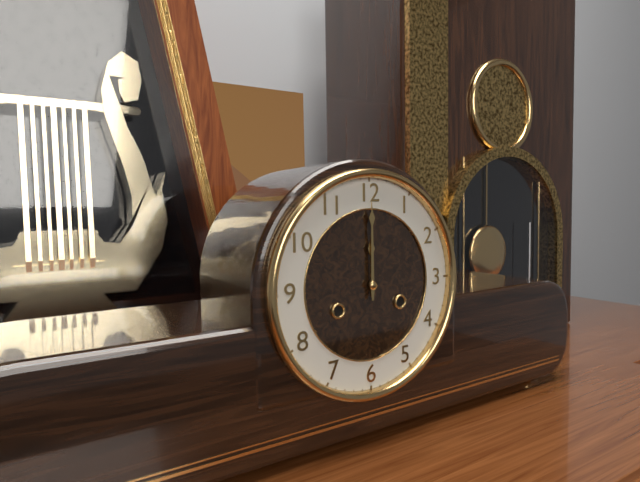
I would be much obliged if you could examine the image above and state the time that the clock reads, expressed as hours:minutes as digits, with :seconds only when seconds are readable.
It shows 12:00
